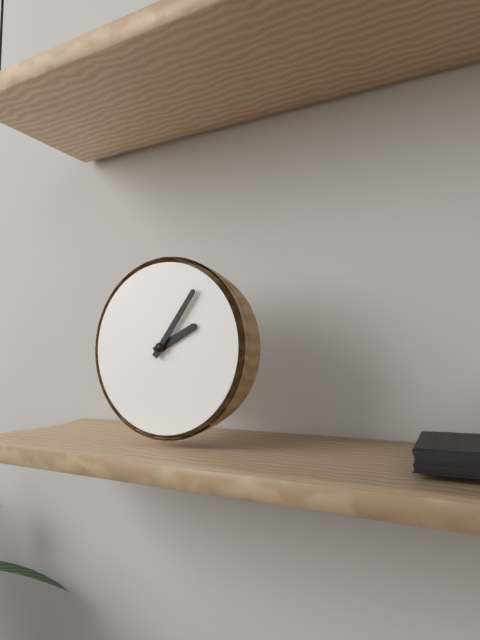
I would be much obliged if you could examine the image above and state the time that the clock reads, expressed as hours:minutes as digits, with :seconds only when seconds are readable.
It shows 2:06
